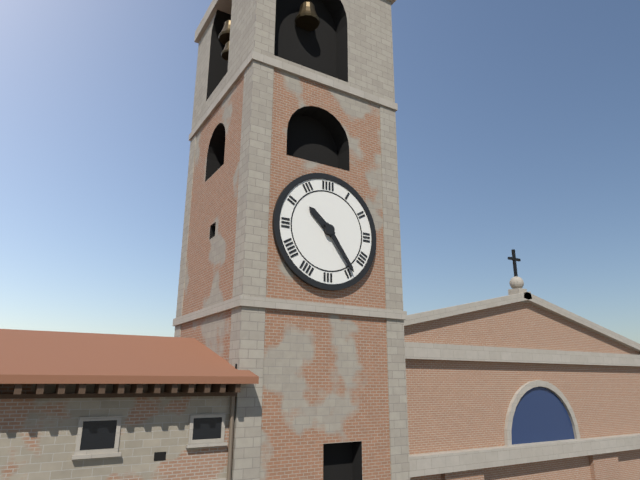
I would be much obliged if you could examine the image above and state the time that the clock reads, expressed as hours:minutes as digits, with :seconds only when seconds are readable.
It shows 10:24
